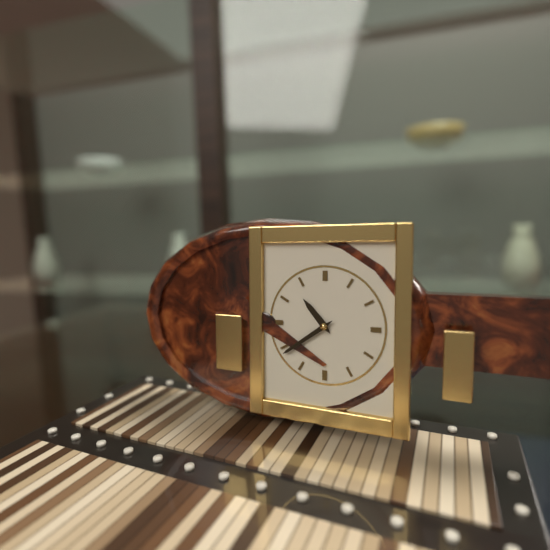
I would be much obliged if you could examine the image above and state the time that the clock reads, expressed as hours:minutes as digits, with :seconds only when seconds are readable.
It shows 10:39
